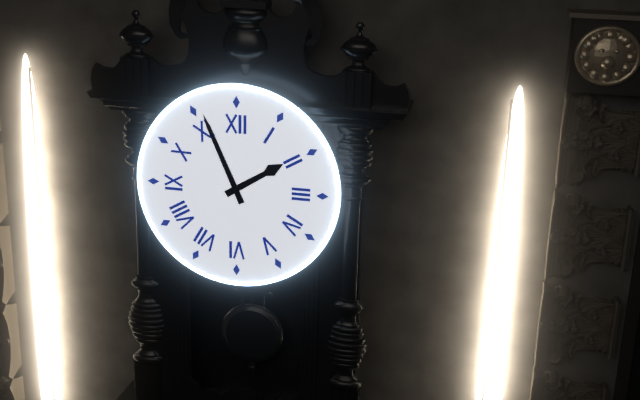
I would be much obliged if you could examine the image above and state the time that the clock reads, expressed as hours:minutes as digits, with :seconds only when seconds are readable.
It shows 1:56
